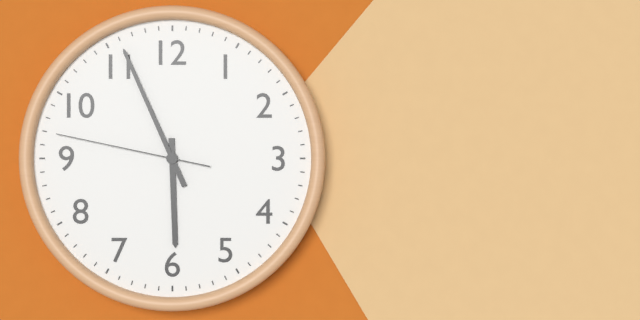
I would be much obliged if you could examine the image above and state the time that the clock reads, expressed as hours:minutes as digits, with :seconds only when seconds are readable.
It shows 5:56:47
